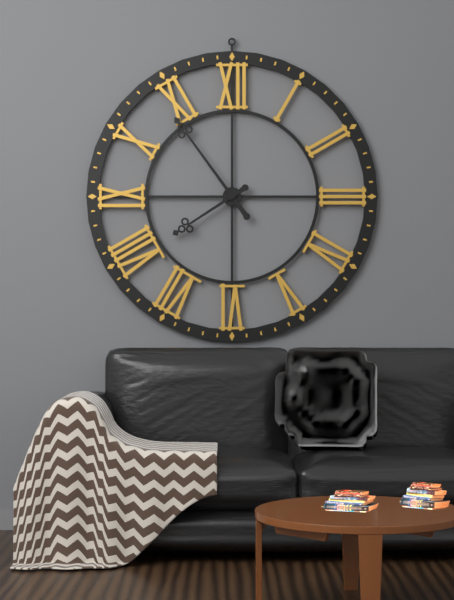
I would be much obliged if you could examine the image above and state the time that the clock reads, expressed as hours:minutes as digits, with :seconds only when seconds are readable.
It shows 7:54
